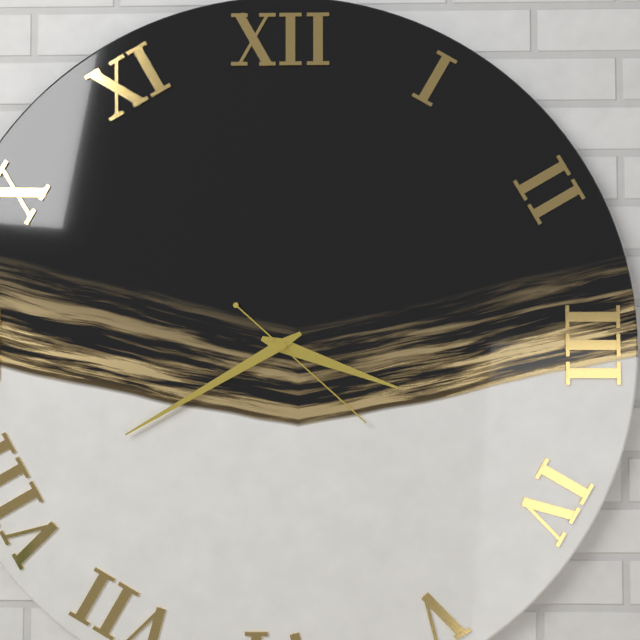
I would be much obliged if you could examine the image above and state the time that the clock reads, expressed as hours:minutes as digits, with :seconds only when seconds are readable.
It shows 3:40:22
